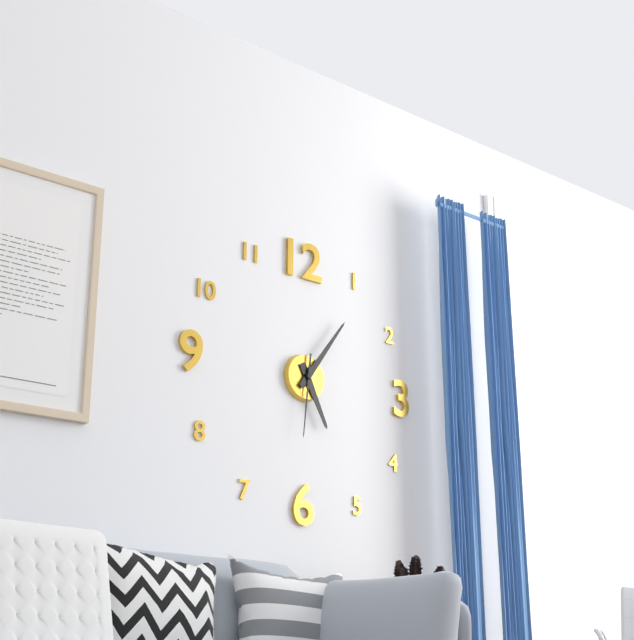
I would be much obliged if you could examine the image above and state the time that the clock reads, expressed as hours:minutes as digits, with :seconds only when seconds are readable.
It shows 5:06:31
